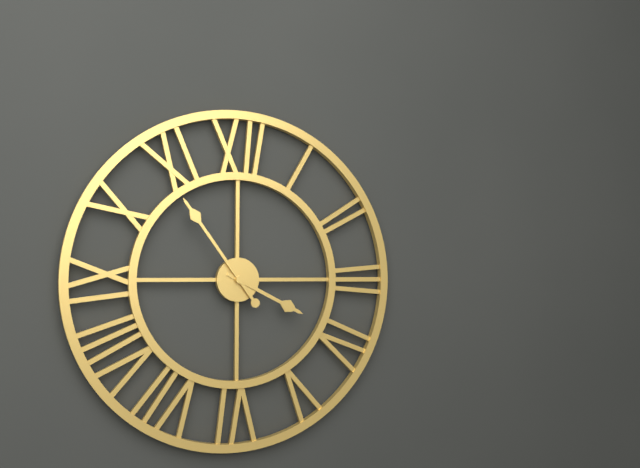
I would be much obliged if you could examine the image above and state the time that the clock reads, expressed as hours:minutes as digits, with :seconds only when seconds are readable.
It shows 3:54
